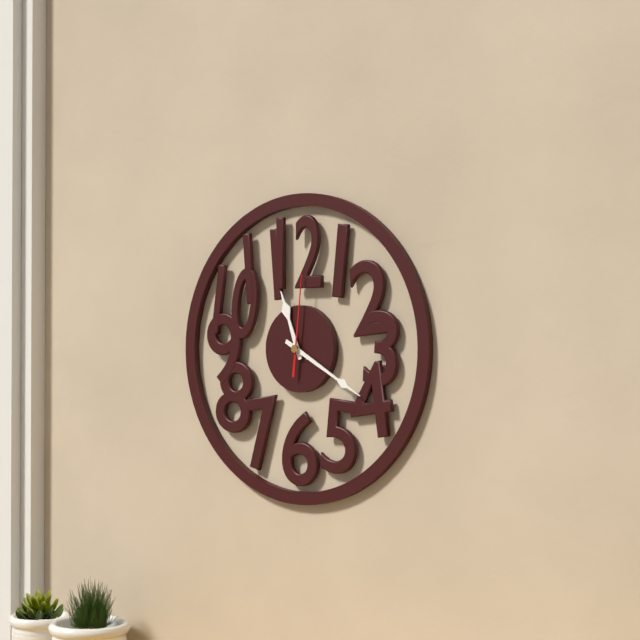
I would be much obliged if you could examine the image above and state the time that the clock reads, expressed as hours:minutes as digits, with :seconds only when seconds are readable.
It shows 11:20:01
